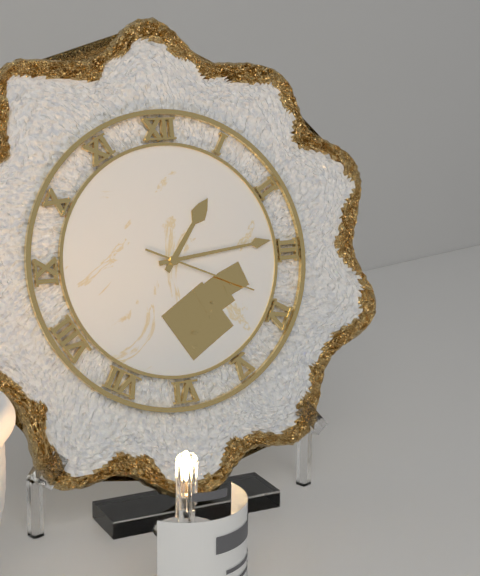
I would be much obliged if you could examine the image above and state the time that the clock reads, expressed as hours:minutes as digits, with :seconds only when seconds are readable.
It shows 1:14:19
